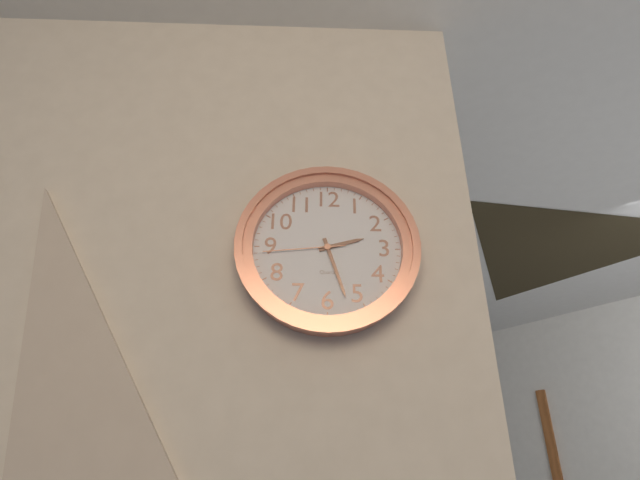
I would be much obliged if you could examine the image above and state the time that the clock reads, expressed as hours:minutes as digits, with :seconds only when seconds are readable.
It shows 2:27:44
